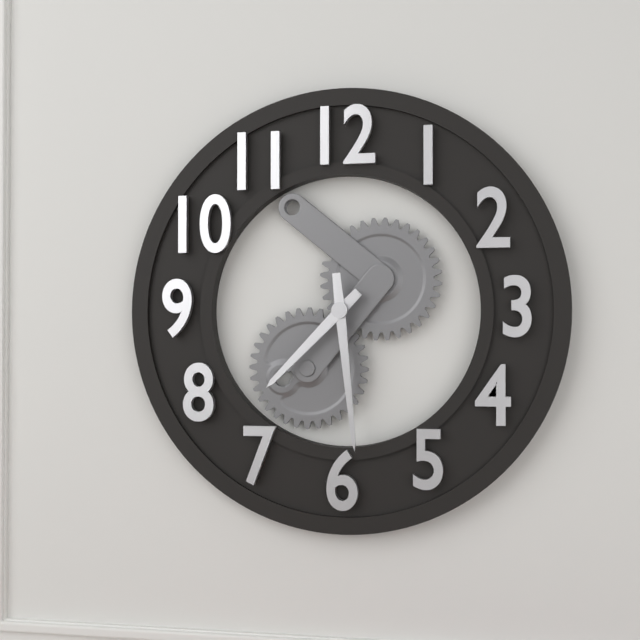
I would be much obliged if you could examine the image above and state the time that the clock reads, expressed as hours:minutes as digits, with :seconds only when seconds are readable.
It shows 7:29
